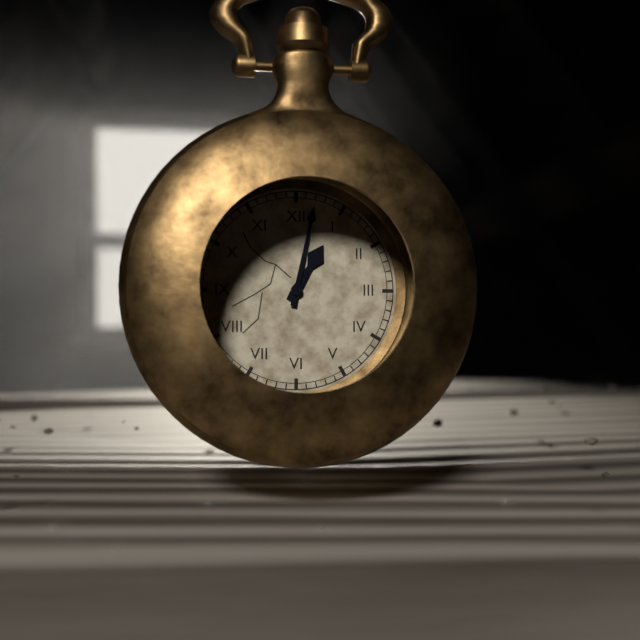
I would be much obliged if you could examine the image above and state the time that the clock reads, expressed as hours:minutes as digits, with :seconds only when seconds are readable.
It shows 1:02
